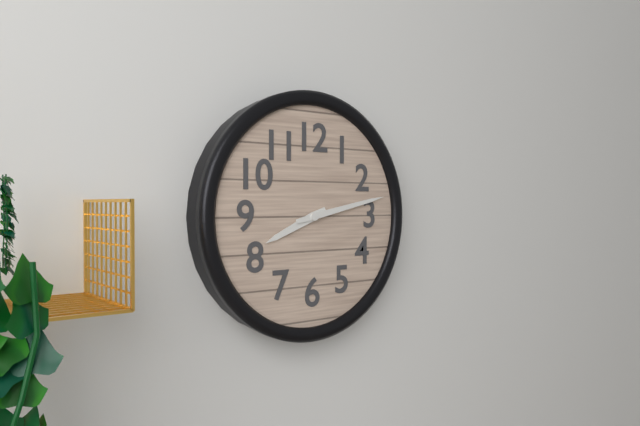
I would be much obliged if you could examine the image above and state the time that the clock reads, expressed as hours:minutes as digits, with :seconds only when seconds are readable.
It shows 8:13
